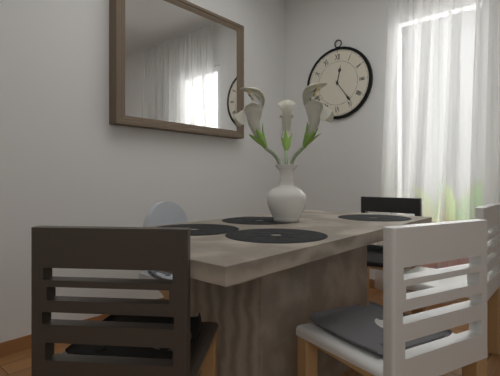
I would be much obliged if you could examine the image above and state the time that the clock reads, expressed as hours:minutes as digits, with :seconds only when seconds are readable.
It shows 12:24
